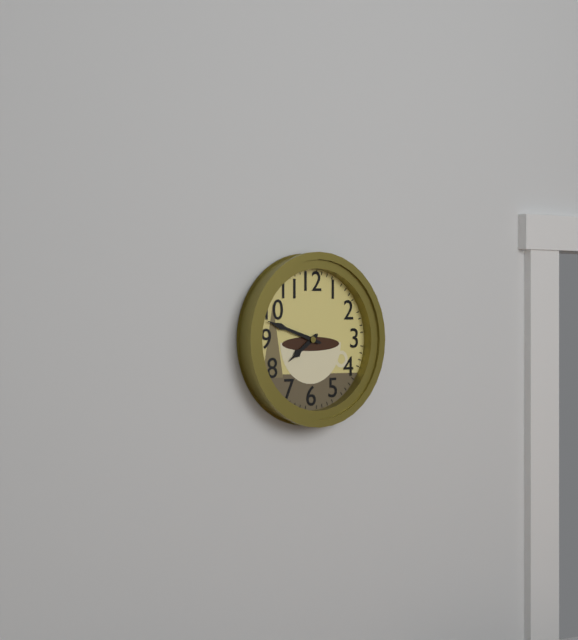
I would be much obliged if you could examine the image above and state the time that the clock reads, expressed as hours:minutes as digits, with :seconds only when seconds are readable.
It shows 7:48
